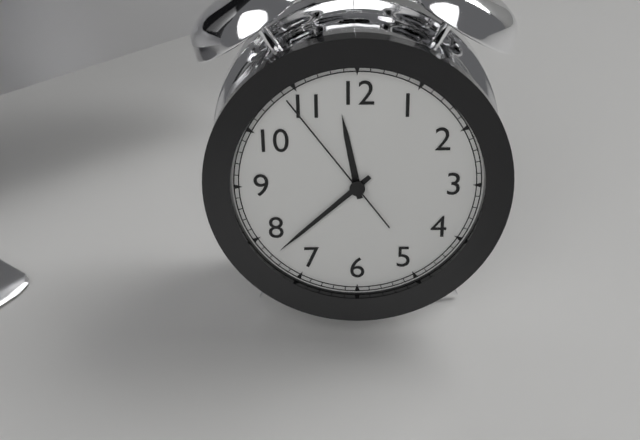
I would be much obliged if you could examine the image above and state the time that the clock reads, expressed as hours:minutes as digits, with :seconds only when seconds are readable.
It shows 11:38:54
